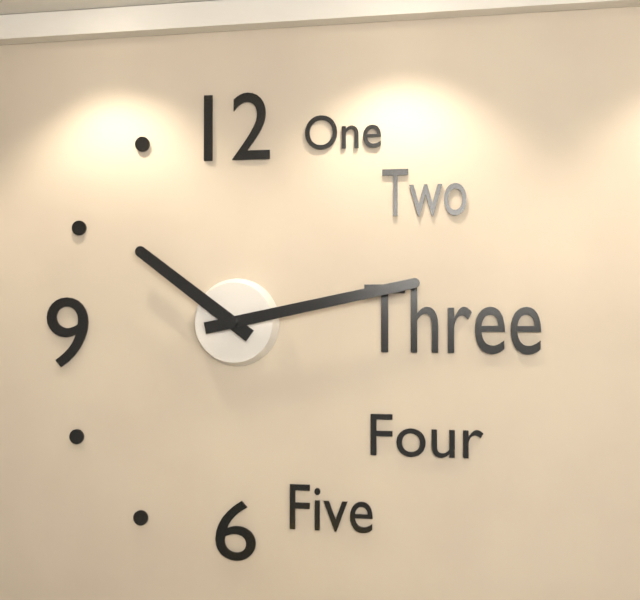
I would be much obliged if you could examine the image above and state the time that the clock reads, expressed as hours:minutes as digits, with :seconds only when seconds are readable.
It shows 10:13
